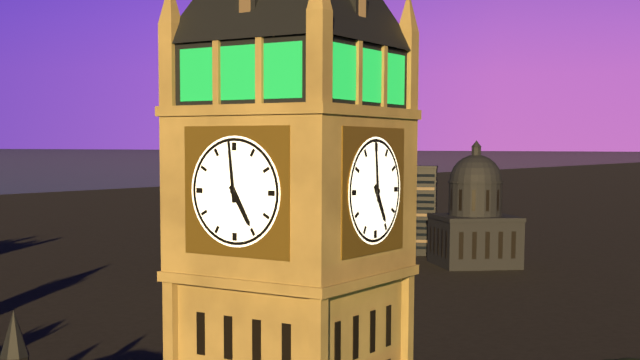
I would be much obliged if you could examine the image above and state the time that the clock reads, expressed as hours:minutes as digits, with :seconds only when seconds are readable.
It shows 4:59
